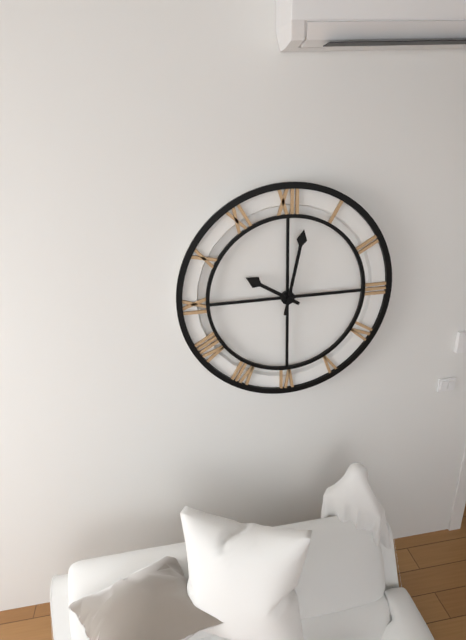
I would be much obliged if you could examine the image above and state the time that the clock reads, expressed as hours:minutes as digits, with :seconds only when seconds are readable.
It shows 10:02
